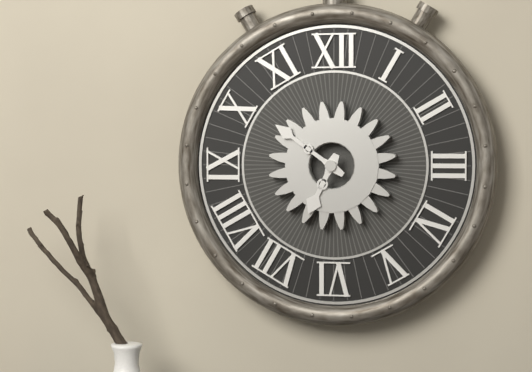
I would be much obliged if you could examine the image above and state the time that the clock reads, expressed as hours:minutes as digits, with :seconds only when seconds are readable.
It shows 6:51
